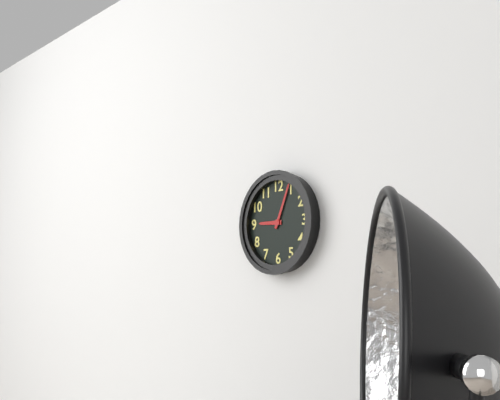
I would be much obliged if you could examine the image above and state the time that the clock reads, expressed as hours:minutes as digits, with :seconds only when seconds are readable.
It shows 9:04
